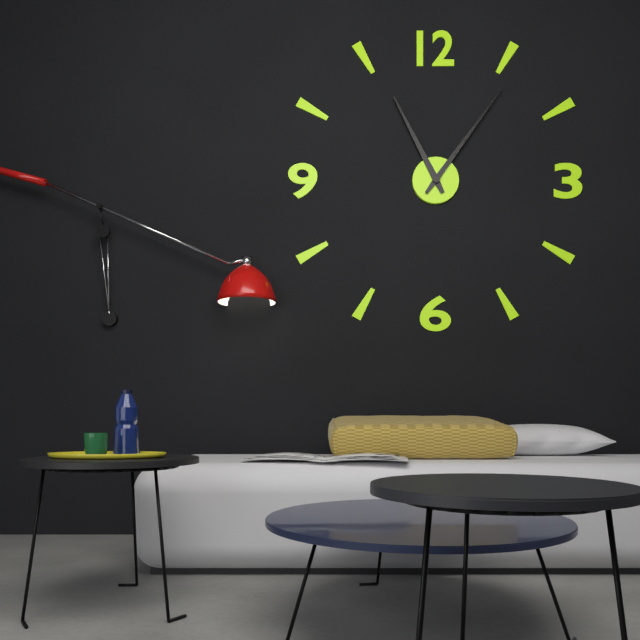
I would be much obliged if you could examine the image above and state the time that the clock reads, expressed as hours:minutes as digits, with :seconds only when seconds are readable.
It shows 11:06
